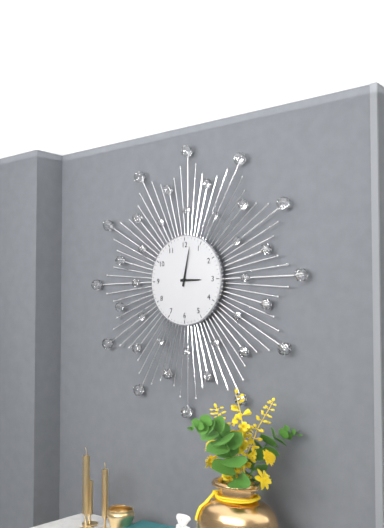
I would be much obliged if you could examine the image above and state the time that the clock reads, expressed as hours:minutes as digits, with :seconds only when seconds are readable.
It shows 3:02
